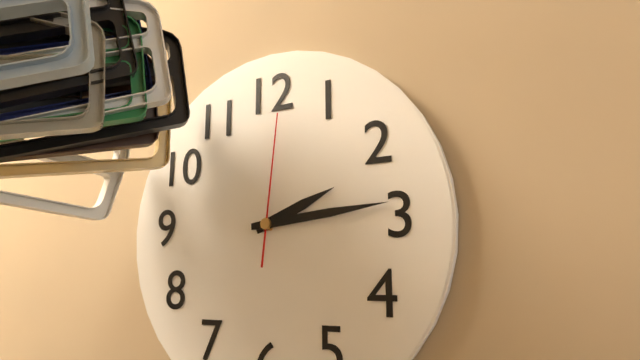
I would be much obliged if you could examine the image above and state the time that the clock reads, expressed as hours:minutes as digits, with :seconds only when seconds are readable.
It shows 2:14:01
